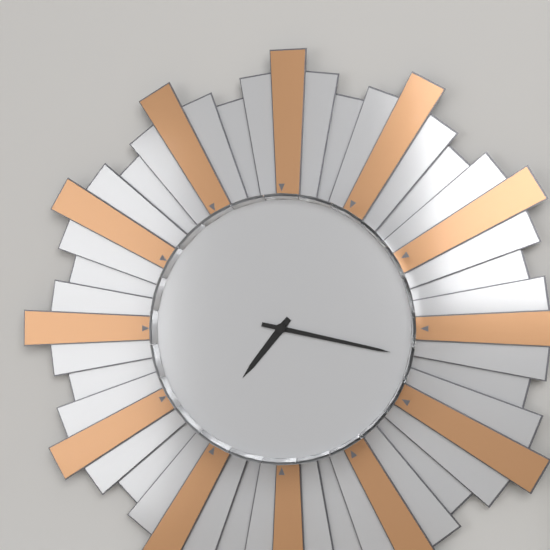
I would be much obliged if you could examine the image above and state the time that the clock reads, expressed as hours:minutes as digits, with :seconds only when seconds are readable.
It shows 7:17
